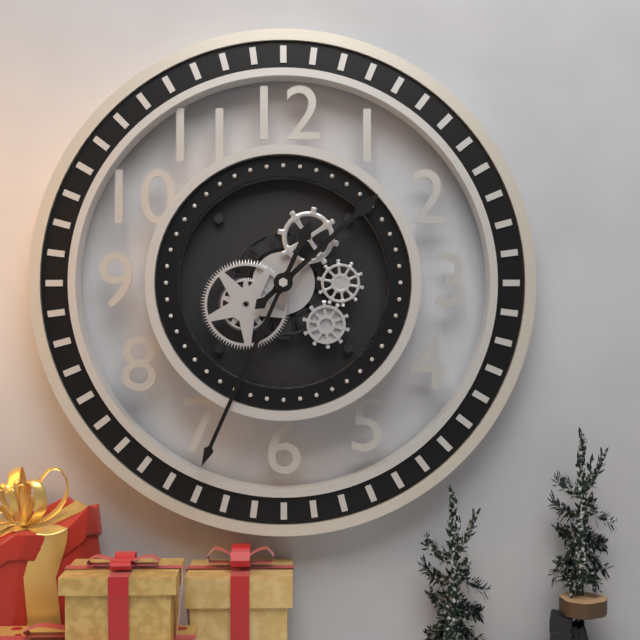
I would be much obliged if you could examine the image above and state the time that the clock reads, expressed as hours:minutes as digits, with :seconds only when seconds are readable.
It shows 1:34
